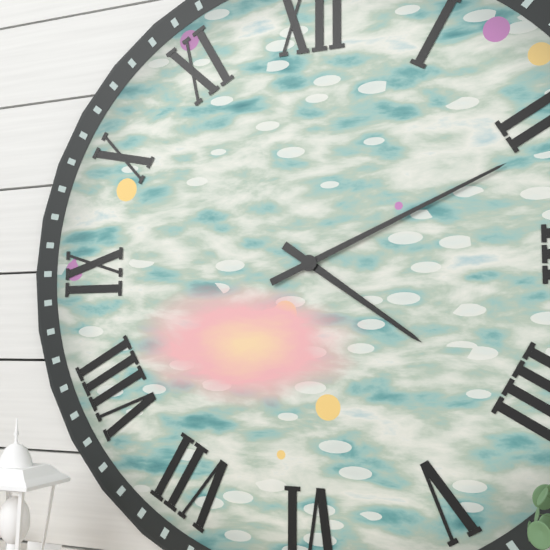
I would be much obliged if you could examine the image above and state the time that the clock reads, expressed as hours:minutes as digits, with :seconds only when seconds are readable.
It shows 4:11
